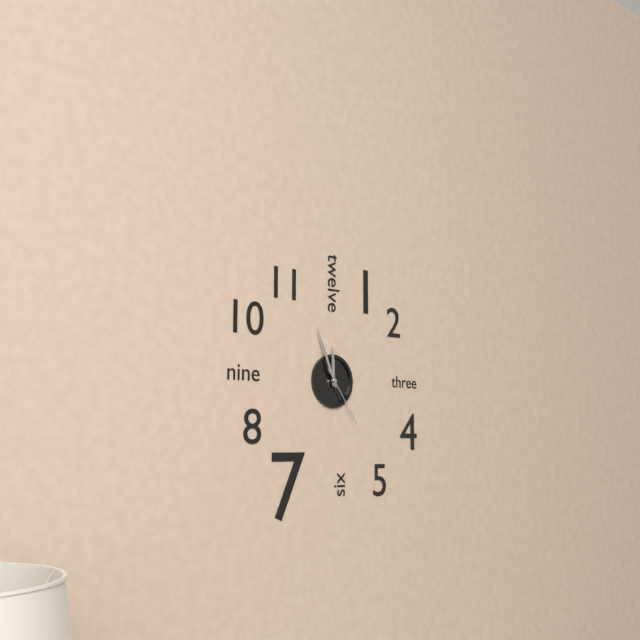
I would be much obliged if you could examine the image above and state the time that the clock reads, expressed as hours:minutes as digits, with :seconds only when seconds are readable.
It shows 11:56:24
